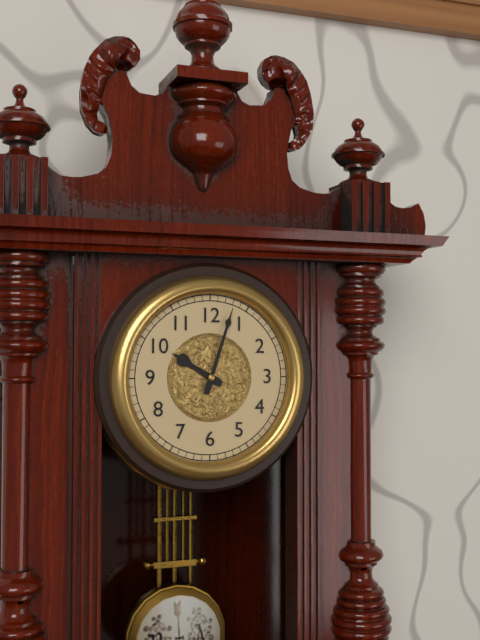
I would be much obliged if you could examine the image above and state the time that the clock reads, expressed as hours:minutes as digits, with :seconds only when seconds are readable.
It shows 10:03
